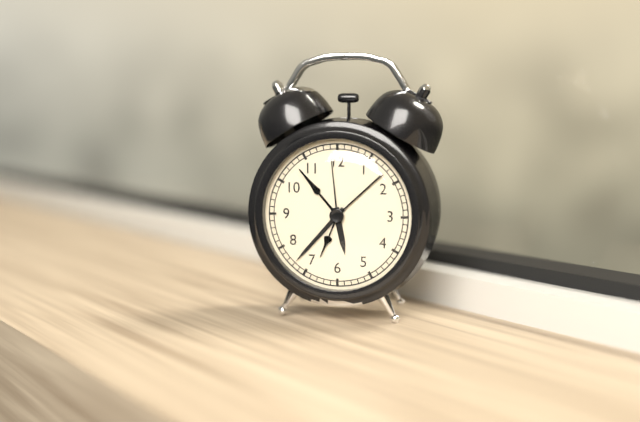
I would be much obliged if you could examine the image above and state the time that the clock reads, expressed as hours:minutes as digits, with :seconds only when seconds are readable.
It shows 5:37:59
